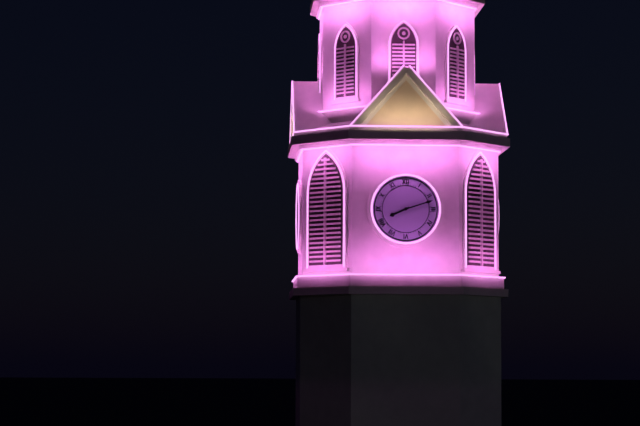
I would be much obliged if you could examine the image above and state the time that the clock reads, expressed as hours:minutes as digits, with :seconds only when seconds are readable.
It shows 8:12
